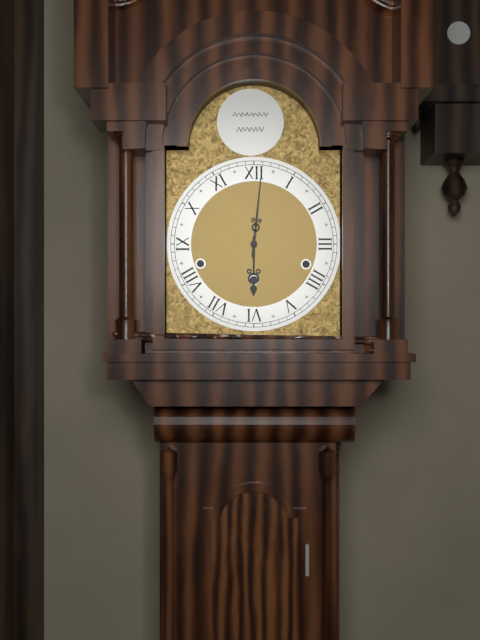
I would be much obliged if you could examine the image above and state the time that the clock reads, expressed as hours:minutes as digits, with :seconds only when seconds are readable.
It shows 6:01
